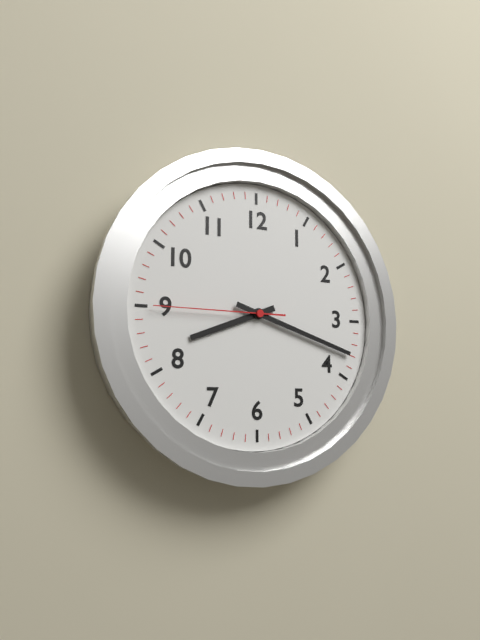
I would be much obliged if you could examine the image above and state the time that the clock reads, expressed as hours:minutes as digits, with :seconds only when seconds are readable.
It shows 8:18:45
